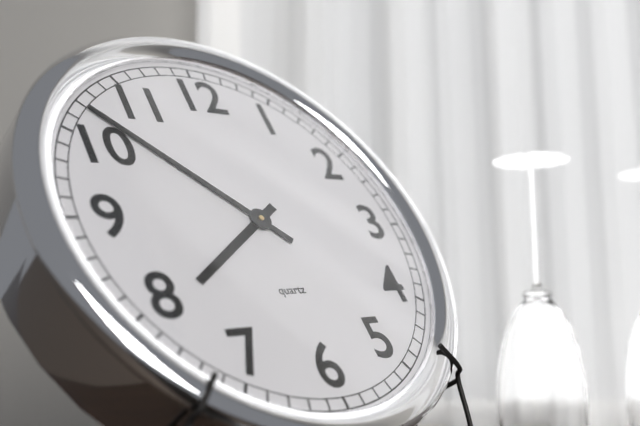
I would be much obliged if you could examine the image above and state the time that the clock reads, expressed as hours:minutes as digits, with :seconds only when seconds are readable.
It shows 7:52
